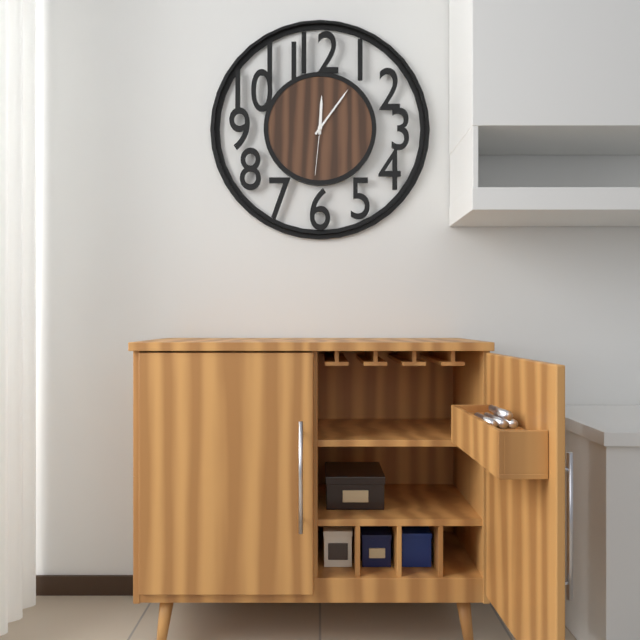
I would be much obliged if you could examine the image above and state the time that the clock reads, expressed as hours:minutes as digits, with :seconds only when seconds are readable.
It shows 12:06:31
